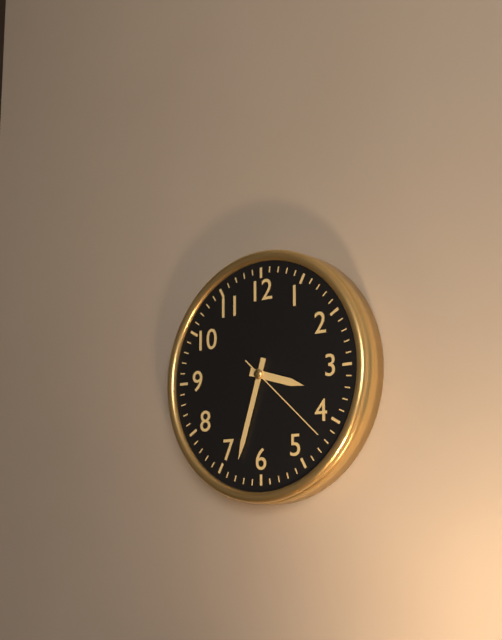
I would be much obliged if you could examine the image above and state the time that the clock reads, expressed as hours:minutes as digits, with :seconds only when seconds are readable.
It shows 3:33:22
